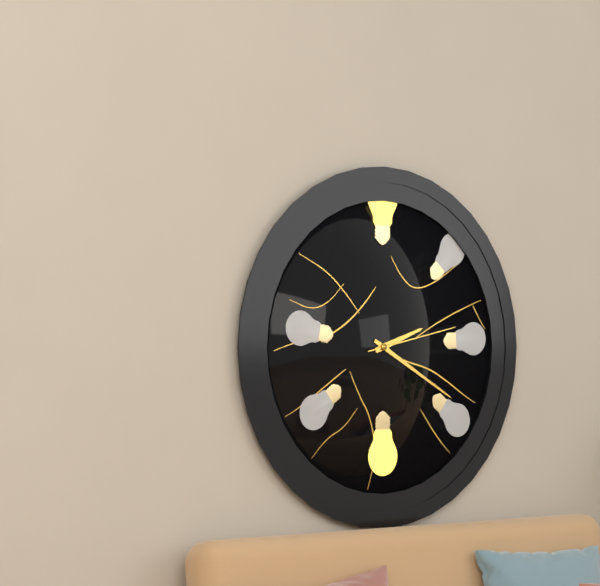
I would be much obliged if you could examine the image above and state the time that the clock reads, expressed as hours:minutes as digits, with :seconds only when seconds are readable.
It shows 2:20:13
